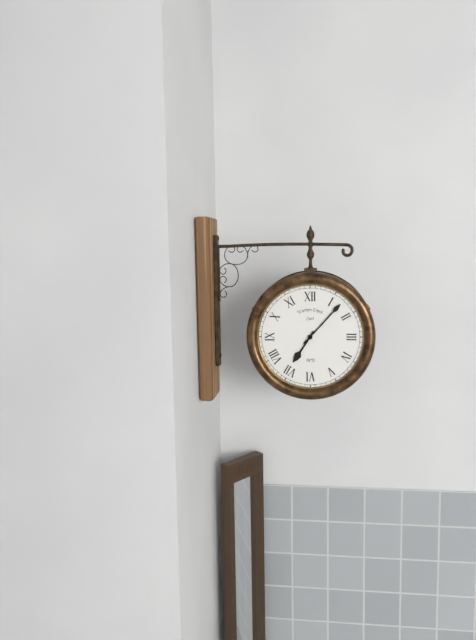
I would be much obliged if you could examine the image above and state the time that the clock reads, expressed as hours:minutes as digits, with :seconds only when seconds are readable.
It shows 7:07
